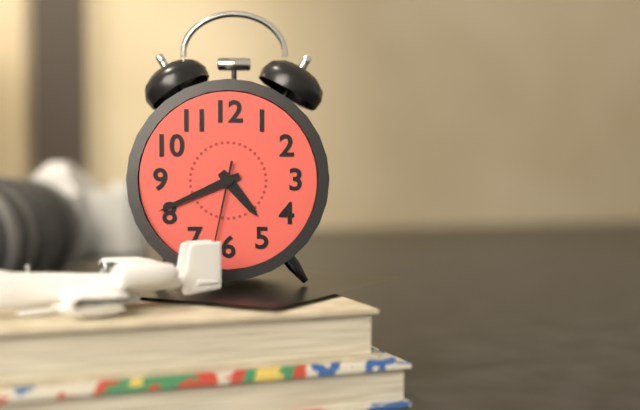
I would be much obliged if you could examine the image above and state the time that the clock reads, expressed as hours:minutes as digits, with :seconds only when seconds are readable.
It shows 4:41:32
